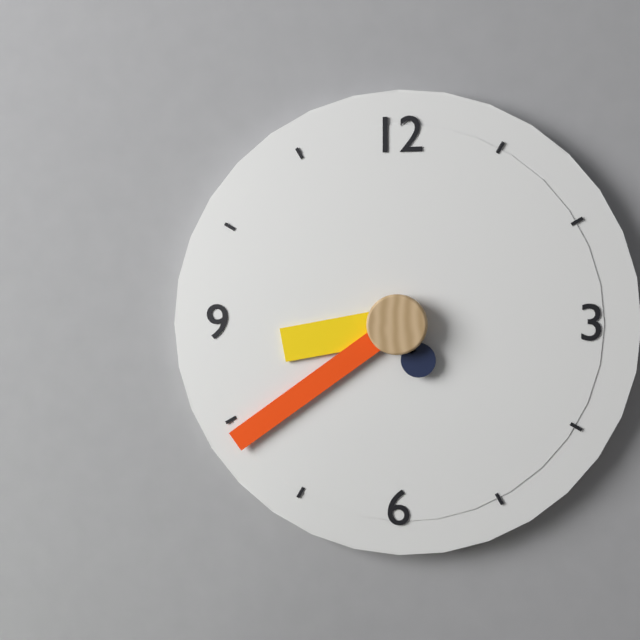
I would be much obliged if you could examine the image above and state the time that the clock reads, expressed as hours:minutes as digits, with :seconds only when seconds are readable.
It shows 8:39:25
